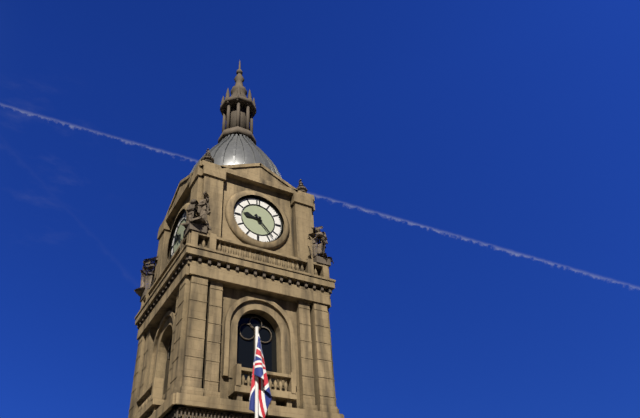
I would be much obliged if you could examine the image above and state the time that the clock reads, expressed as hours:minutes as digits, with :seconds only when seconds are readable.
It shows 9:23
